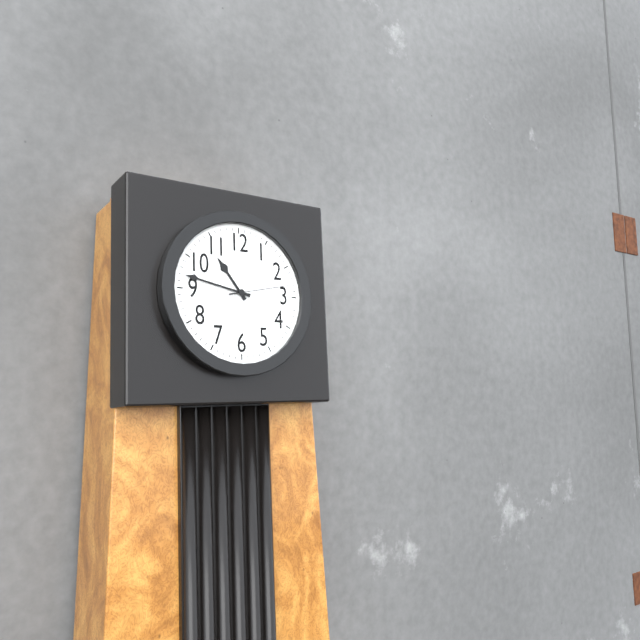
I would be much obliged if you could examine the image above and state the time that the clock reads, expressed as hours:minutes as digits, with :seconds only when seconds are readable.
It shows 10:47:13
